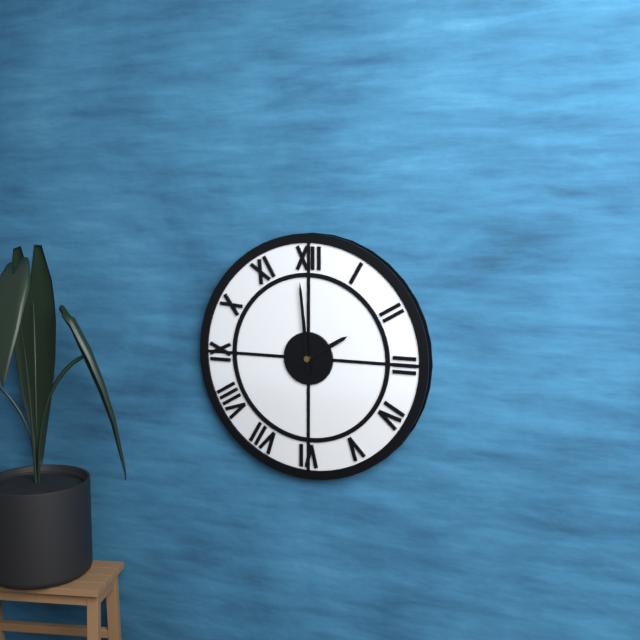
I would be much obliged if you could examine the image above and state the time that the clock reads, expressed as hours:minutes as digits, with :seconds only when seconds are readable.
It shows 1:59
